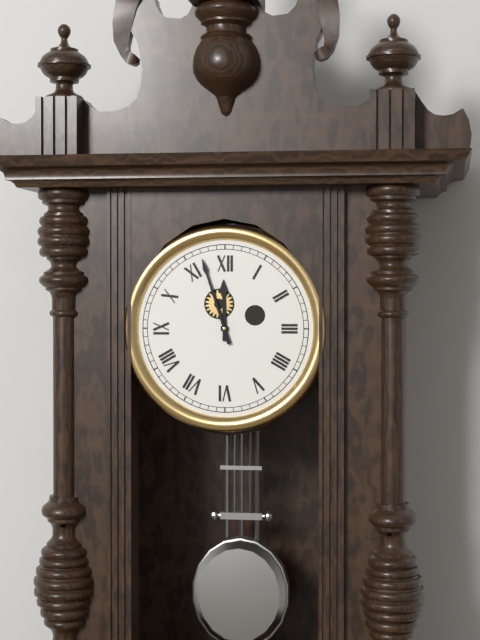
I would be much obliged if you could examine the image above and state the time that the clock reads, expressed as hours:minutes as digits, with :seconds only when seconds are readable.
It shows 11:57
